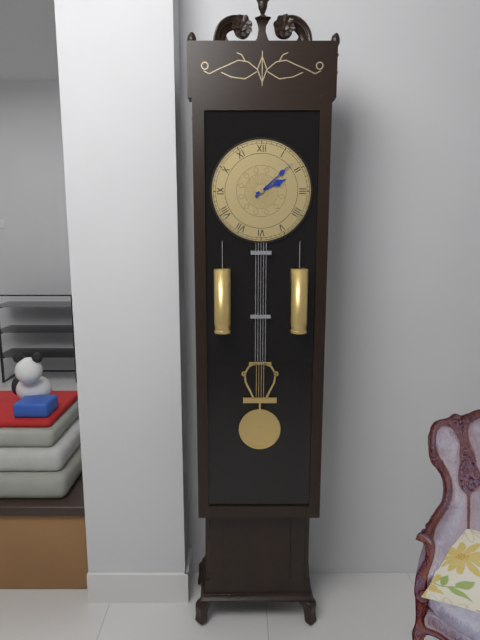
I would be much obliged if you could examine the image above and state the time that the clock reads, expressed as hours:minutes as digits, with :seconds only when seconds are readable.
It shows 2:08
